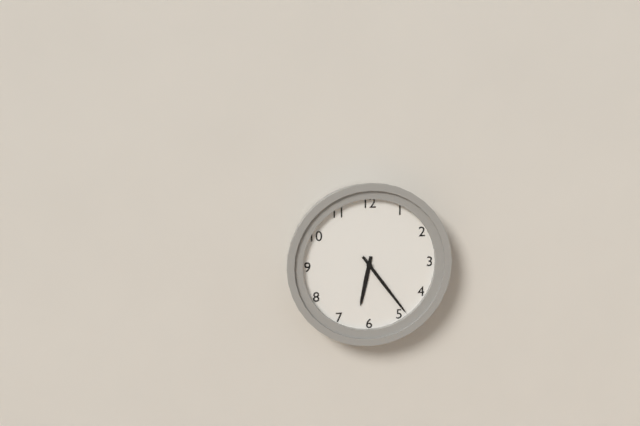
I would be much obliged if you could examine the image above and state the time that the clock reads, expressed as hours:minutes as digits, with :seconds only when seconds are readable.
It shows 6:24
